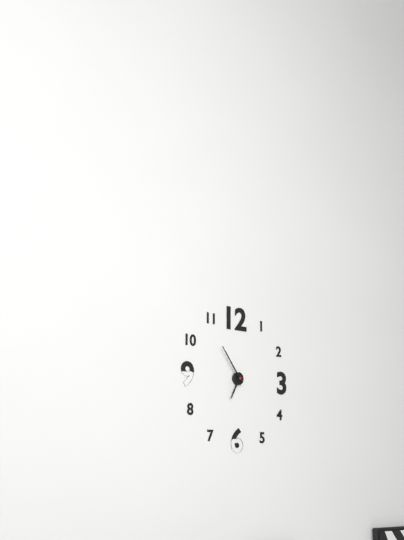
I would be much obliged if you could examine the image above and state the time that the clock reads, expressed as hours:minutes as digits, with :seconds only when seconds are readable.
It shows 6:54
